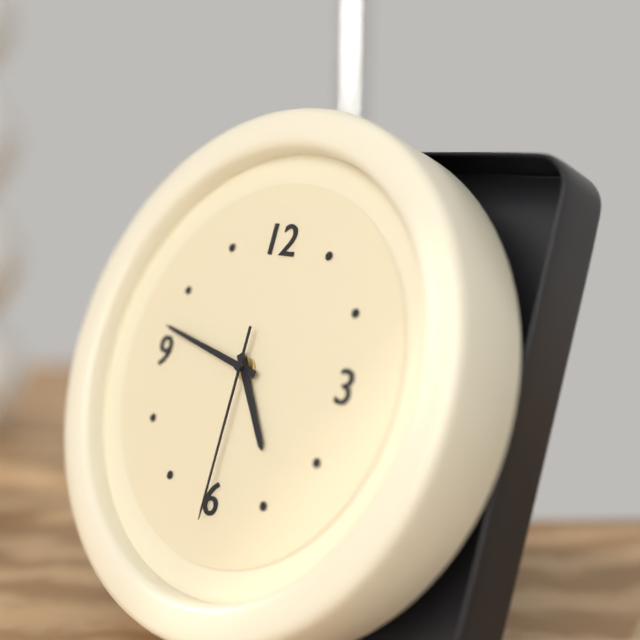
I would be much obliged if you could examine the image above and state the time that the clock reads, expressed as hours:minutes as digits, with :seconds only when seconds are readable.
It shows 4:47:30
